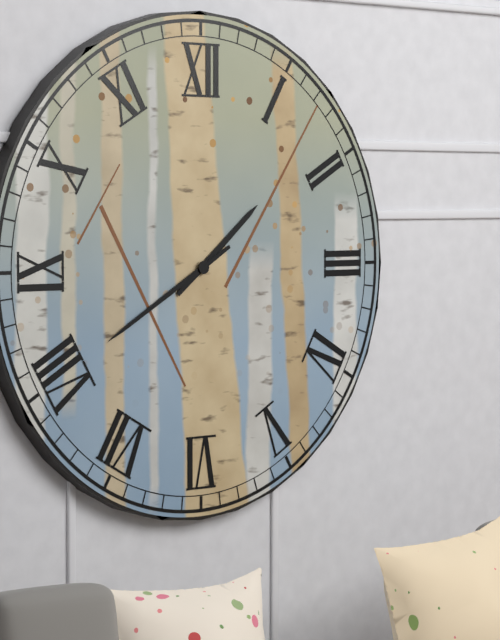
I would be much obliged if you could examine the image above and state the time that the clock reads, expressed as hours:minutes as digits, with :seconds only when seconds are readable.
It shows 1:40
